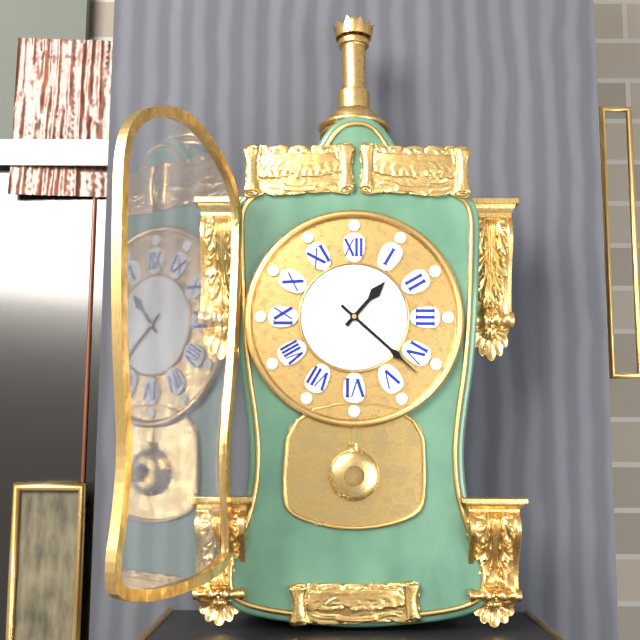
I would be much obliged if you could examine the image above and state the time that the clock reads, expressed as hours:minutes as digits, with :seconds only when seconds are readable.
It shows 1:22
